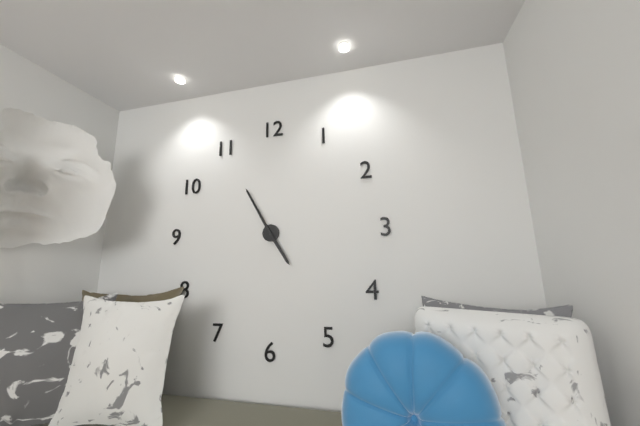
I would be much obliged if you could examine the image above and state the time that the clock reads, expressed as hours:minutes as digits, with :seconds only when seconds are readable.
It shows 4:55
